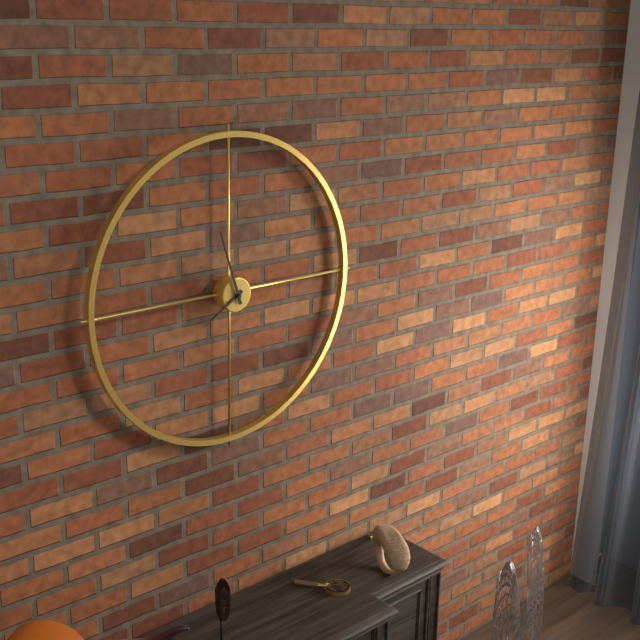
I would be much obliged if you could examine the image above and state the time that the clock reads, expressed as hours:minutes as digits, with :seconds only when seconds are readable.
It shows 7:57
